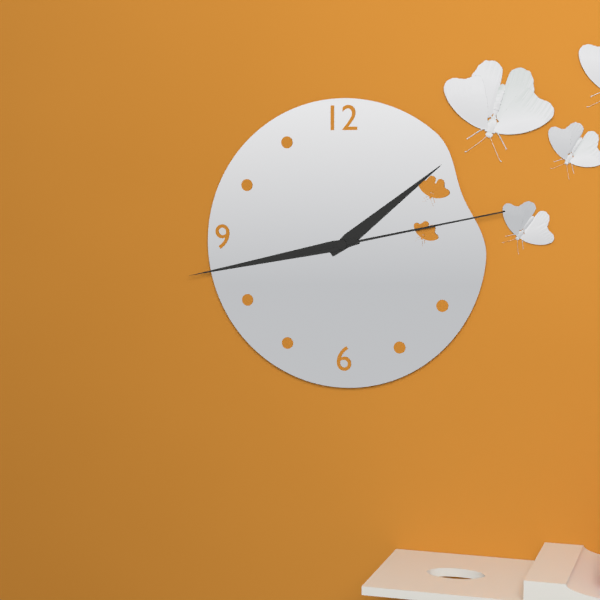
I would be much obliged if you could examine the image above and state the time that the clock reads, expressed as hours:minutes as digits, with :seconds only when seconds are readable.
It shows 1:43:13
